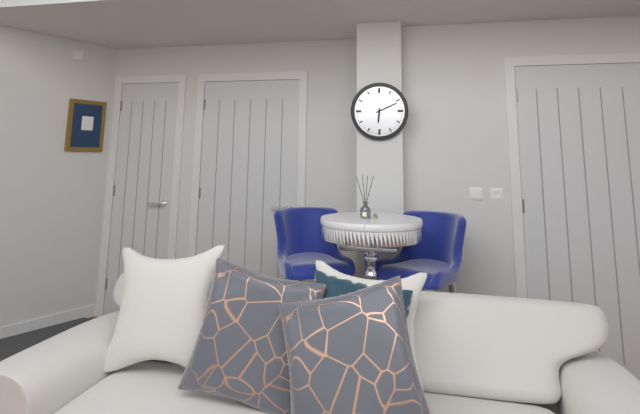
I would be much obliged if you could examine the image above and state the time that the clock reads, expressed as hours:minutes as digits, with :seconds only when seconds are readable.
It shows 6:11
